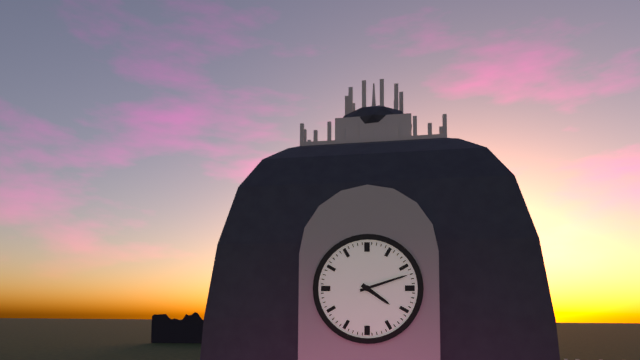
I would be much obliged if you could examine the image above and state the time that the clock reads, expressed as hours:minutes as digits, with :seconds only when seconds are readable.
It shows 4:12
